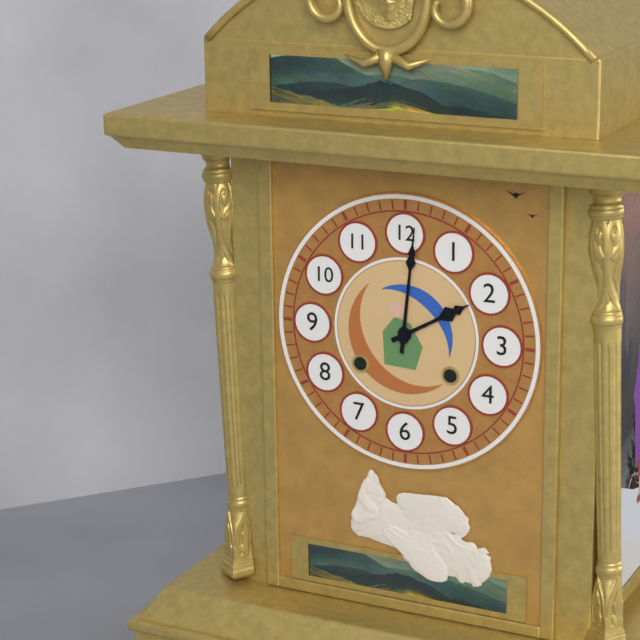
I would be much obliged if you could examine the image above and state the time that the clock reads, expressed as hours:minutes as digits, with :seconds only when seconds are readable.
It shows 2:01
